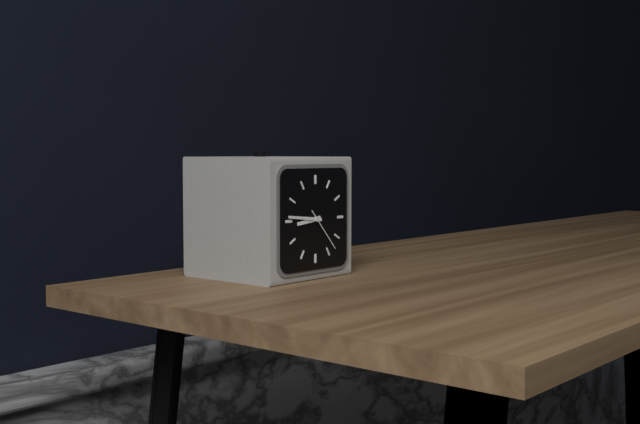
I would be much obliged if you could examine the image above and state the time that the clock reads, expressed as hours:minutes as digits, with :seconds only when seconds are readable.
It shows 8:46
